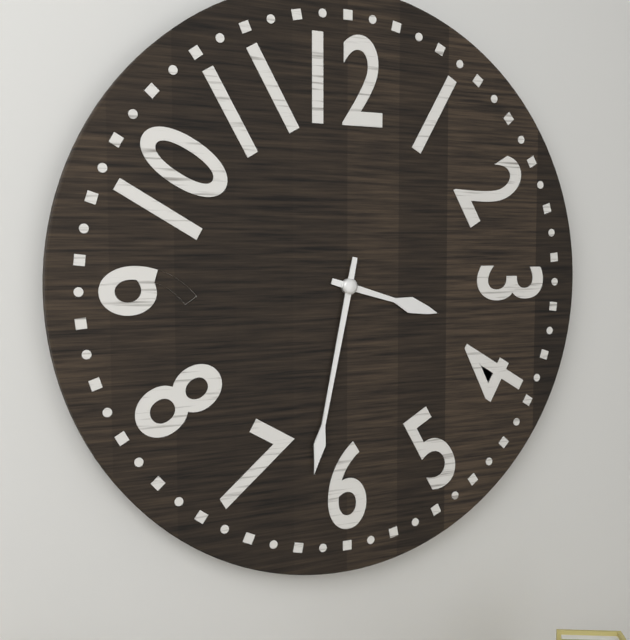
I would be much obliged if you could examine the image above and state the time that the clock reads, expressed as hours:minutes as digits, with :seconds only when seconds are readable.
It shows 3:32
